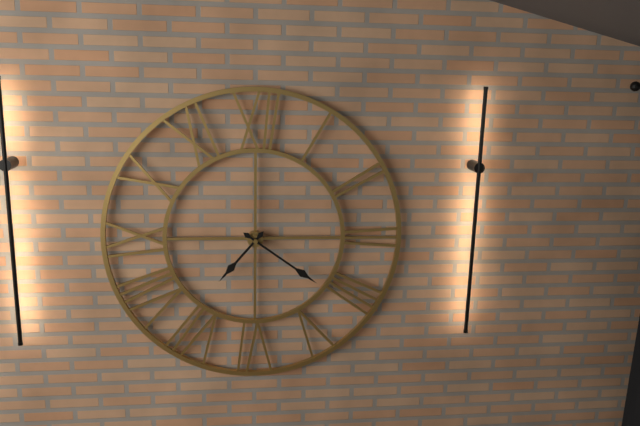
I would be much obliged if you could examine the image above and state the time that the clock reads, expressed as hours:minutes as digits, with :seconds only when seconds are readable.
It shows 7:21
